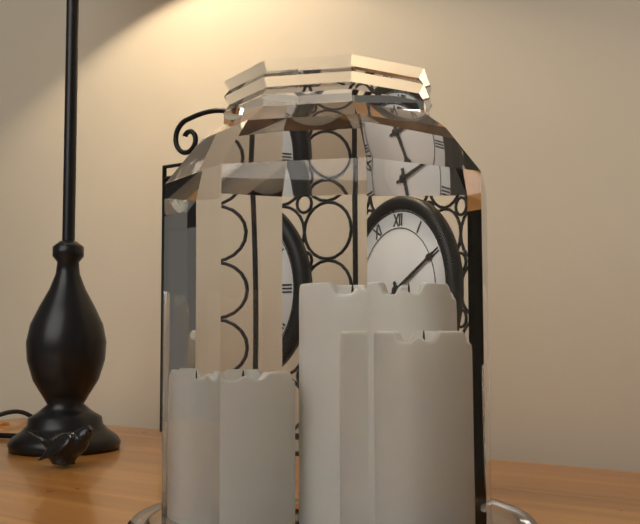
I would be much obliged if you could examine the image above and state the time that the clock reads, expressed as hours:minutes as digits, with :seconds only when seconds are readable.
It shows 5:10
